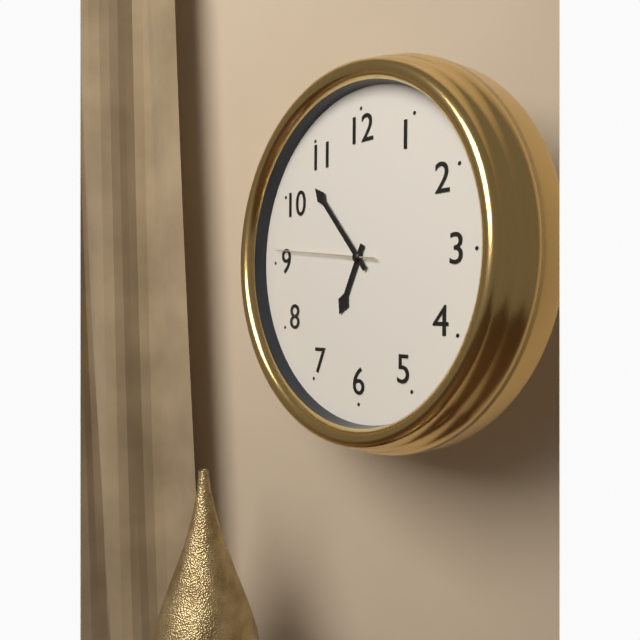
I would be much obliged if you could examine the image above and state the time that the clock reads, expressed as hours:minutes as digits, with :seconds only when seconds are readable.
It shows 6:53:46
